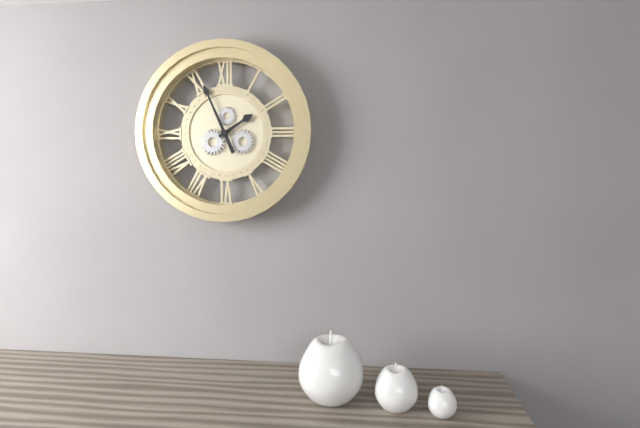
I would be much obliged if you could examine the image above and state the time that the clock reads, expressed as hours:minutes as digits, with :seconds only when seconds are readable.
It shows 1:56
